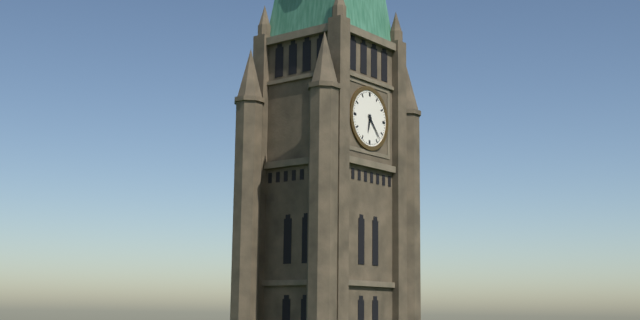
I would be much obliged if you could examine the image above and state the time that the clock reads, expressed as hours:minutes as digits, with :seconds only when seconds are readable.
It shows 6:23
